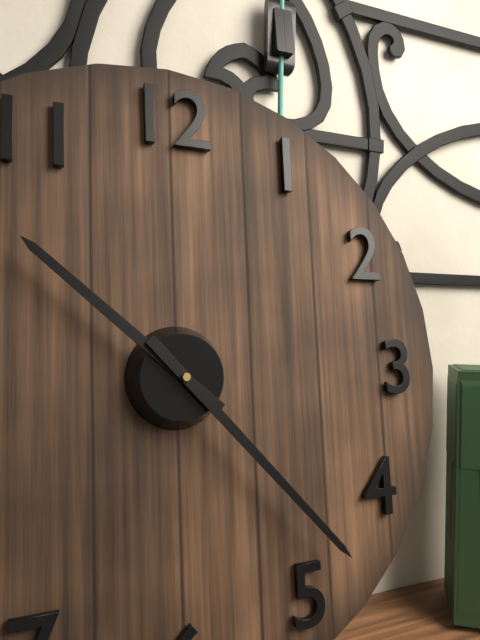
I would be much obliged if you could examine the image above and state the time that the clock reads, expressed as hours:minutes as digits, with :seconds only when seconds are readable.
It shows 10:23
